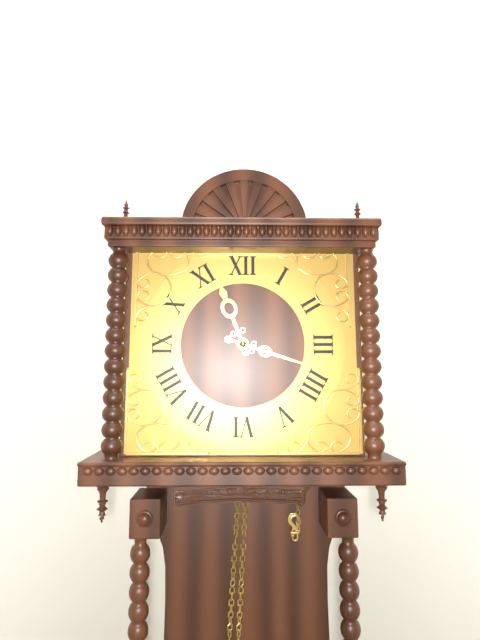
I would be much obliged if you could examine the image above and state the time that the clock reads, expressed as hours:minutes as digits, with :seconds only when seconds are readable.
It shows 11:18
